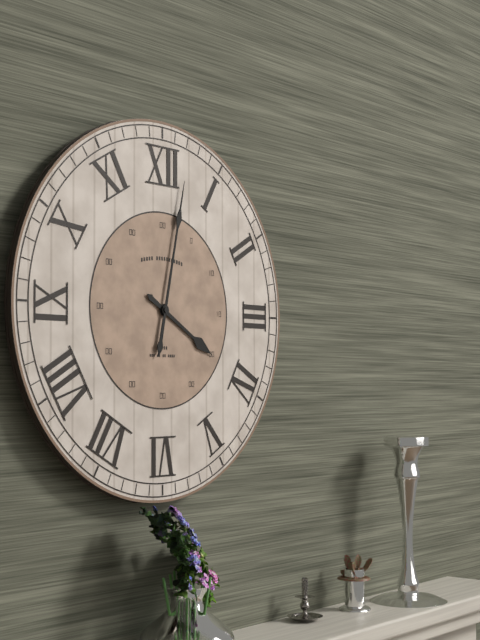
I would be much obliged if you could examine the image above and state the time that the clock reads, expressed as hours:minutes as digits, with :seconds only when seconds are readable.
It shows 4:02
